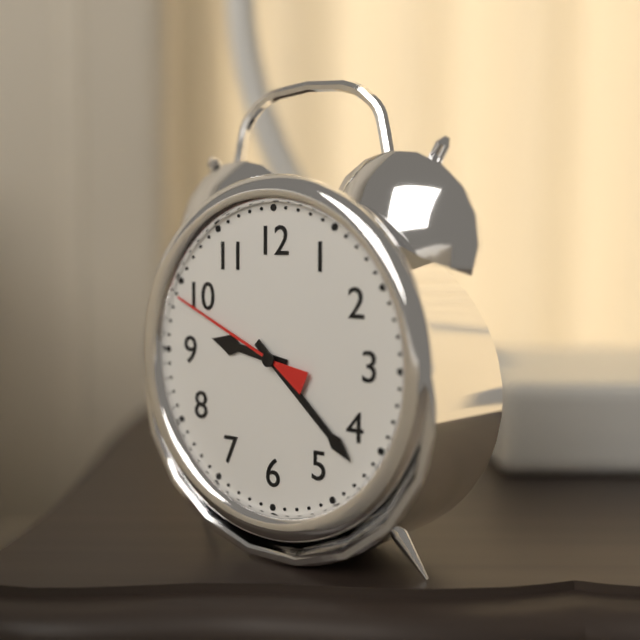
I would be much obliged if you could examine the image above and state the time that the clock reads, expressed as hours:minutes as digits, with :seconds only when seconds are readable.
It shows 9:22:49
